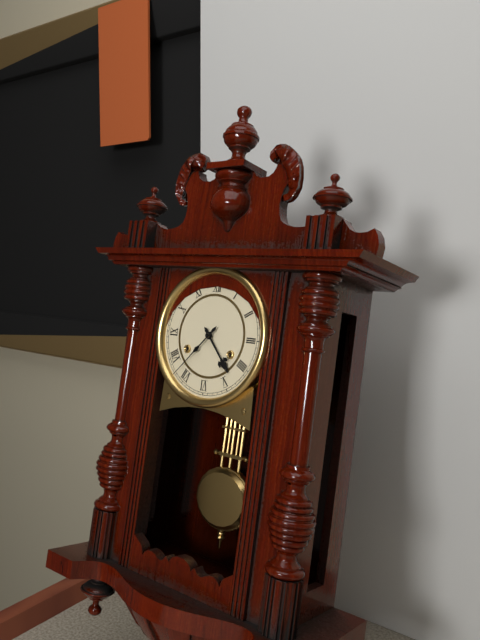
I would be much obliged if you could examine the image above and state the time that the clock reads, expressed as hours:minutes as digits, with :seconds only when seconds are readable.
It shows 4:37
